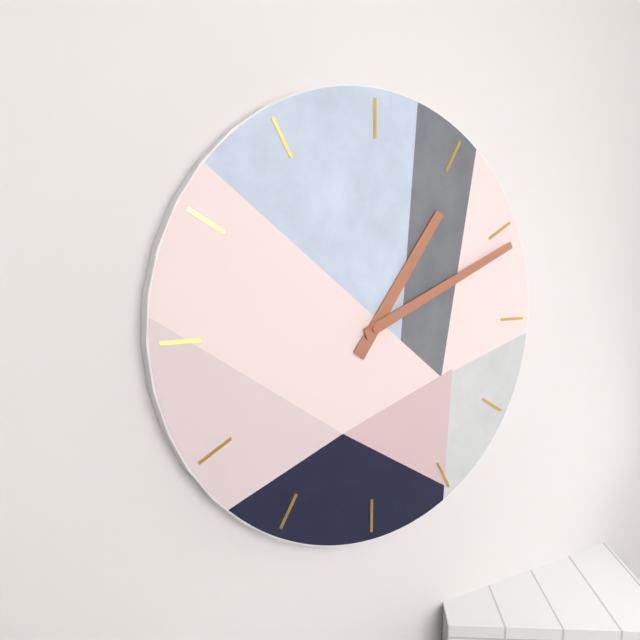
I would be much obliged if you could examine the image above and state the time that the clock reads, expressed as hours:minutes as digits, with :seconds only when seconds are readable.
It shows 1:11
